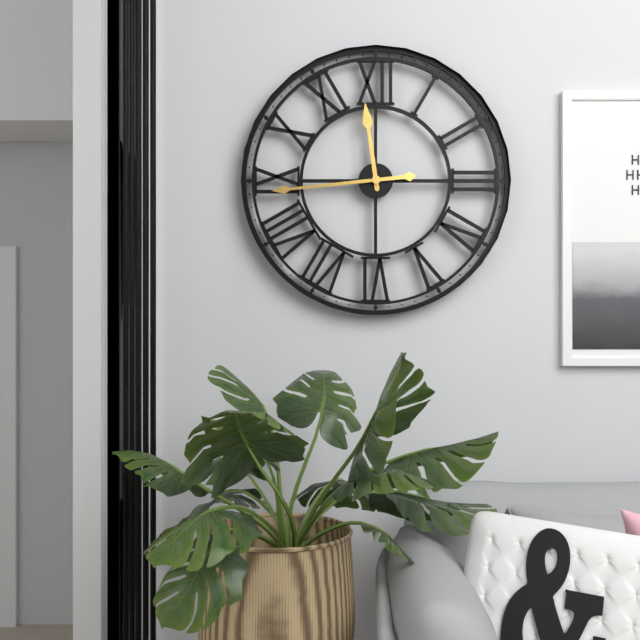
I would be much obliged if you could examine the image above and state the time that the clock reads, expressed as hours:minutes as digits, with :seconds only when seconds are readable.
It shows 11:44
